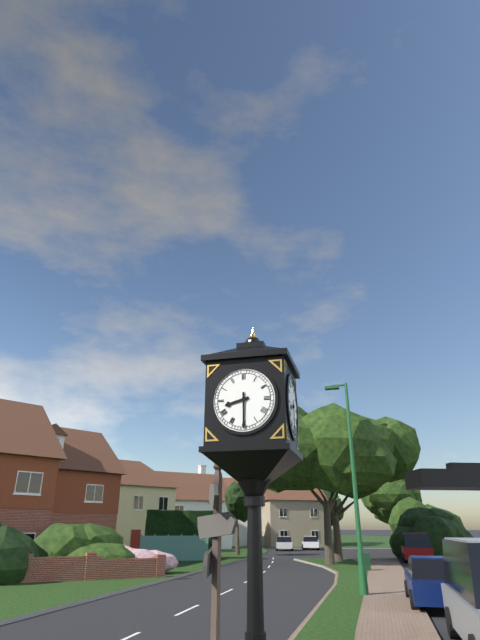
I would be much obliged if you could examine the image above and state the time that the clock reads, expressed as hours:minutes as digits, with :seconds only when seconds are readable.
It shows 8:30
